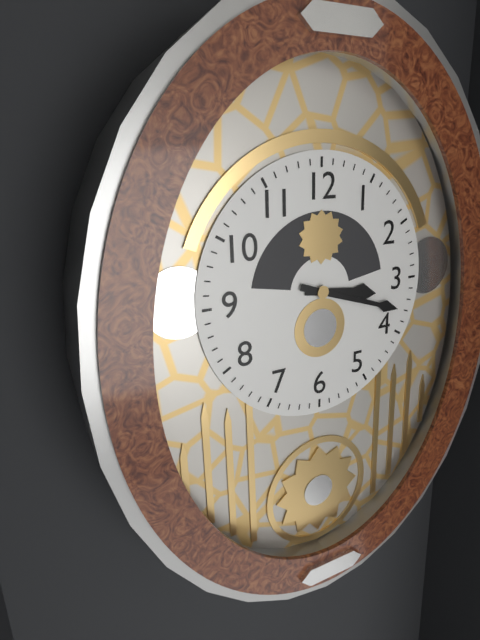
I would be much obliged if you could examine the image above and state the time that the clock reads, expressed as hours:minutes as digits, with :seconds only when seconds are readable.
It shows 3:18
